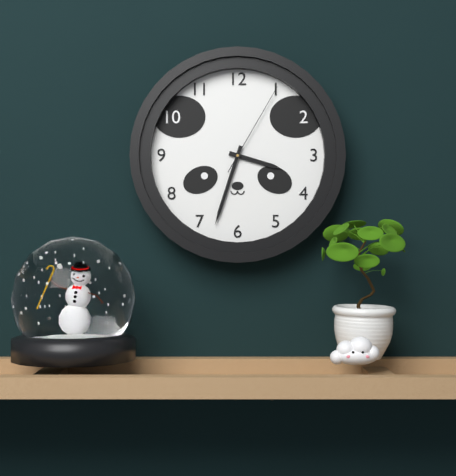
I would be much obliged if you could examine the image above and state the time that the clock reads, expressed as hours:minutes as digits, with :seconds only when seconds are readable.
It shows 3:33:05
